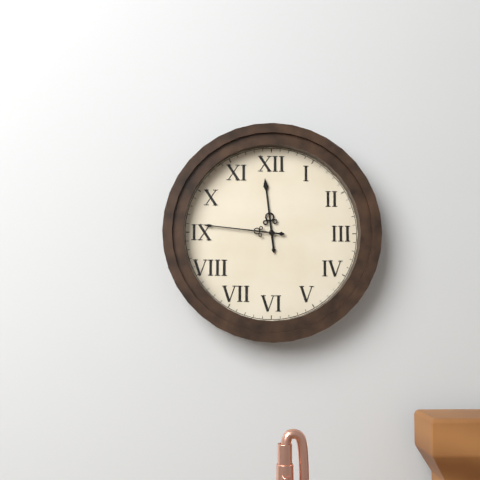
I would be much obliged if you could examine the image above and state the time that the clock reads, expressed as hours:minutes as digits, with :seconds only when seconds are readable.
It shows 11:46
